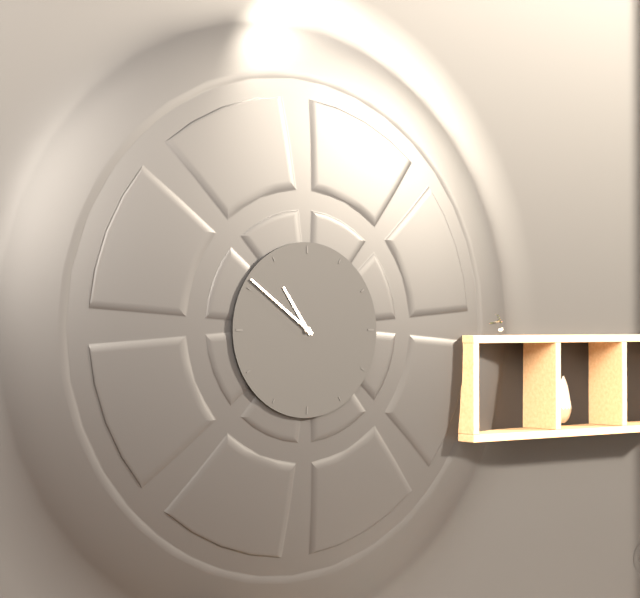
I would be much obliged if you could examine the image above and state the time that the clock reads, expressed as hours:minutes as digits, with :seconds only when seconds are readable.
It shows 10:51
